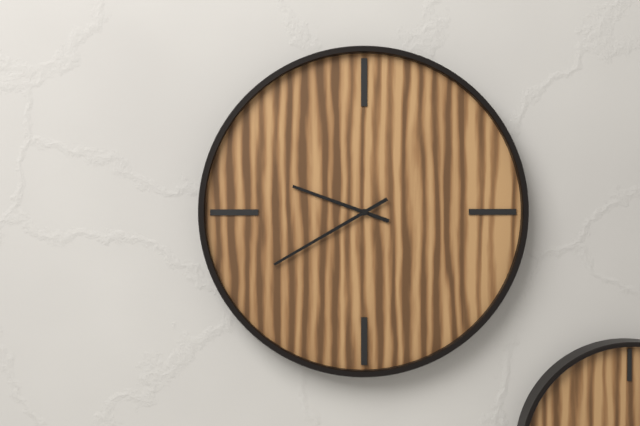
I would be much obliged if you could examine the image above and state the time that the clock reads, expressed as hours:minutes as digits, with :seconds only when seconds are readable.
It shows 9:40
